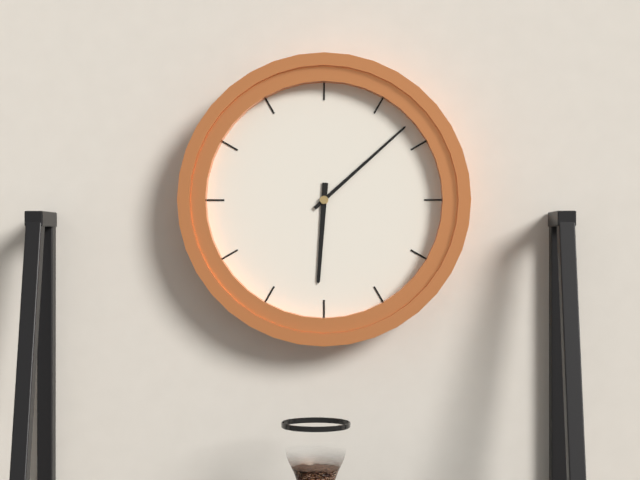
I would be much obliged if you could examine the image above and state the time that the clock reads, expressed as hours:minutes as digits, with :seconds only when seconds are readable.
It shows 6:08
